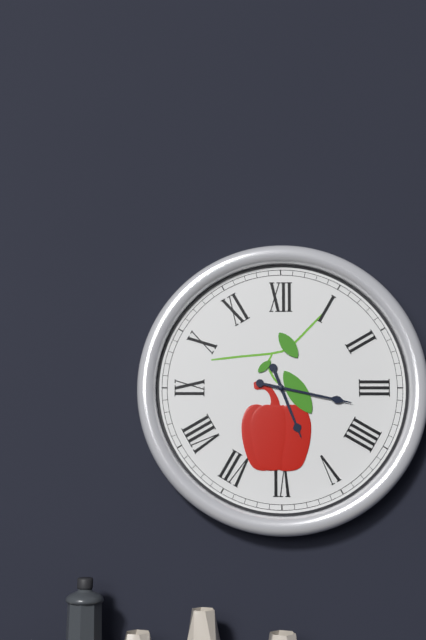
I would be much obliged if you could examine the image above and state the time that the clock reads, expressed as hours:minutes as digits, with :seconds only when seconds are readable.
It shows 5:17
